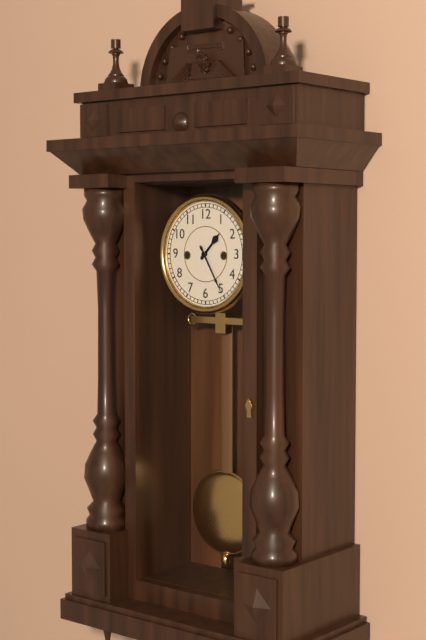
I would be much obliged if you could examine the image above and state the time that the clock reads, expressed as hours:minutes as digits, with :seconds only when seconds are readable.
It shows 1:25
